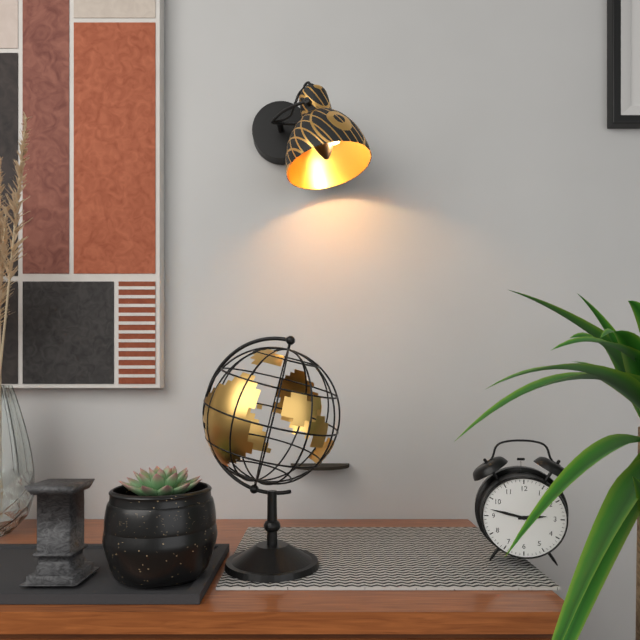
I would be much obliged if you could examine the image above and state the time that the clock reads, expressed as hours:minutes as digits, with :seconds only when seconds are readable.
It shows 2:47
